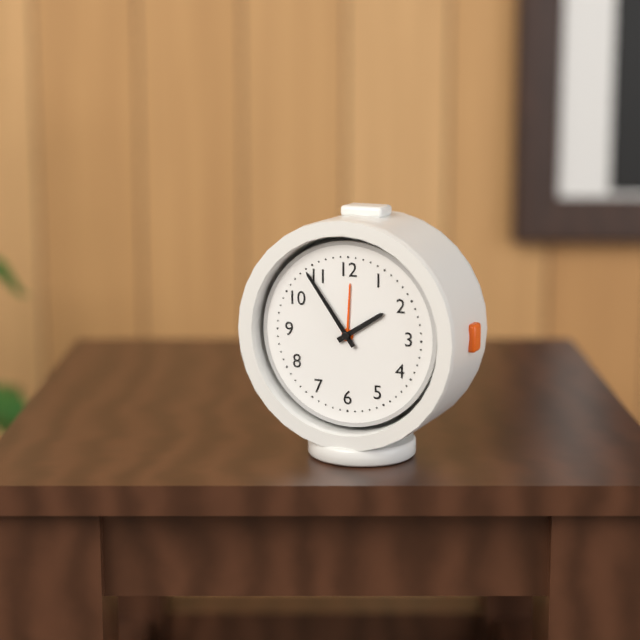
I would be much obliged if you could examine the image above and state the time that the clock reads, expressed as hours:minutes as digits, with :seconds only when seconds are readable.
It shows 1:54:54
